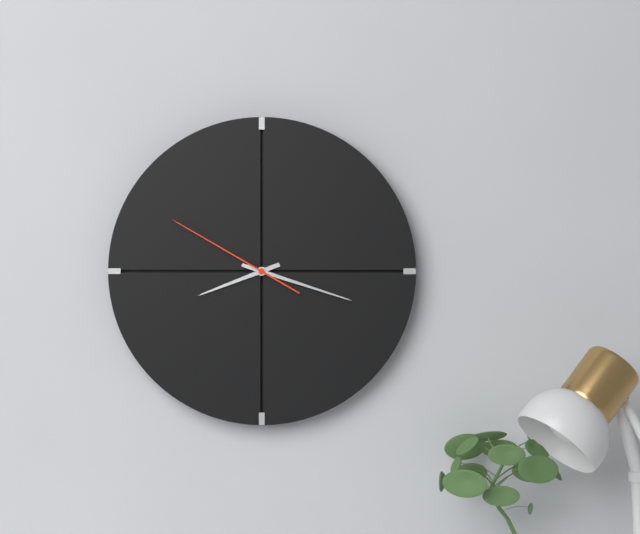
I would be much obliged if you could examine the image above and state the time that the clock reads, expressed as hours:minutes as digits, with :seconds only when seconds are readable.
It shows 8:18:50
